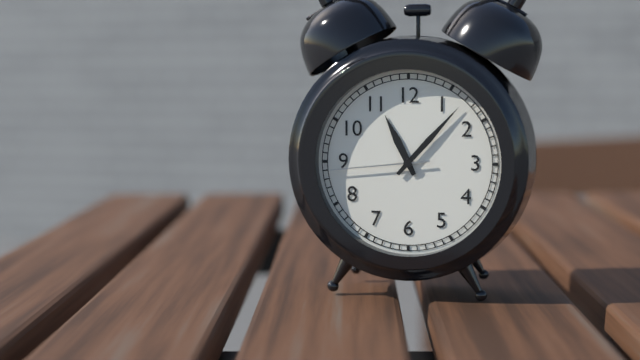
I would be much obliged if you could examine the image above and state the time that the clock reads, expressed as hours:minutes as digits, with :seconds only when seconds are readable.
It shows 11:07:44
